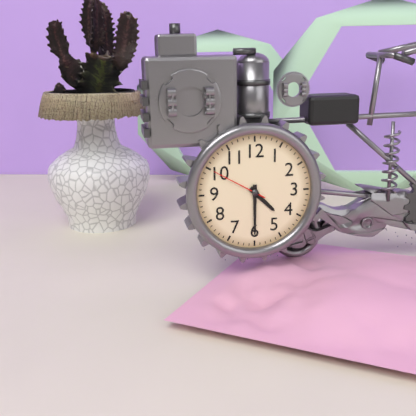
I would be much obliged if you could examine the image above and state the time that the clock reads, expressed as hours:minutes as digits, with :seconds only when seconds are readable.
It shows 4:30:50
